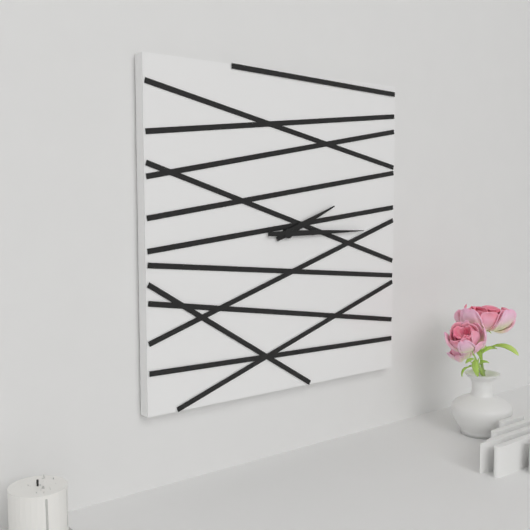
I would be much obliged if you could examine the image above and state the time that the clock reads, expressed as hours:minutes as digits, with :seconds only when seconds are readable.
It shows 2:15
